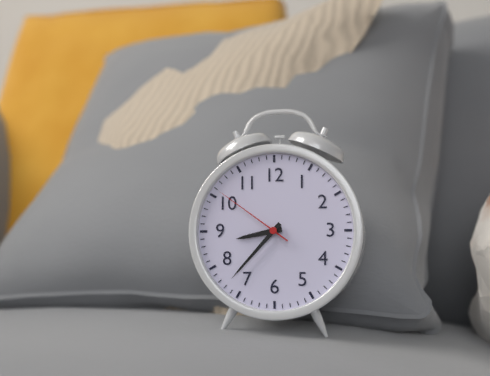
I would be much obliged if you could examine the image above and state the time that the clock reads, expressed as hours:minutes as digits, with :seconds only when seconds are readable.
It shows 8:37:51
